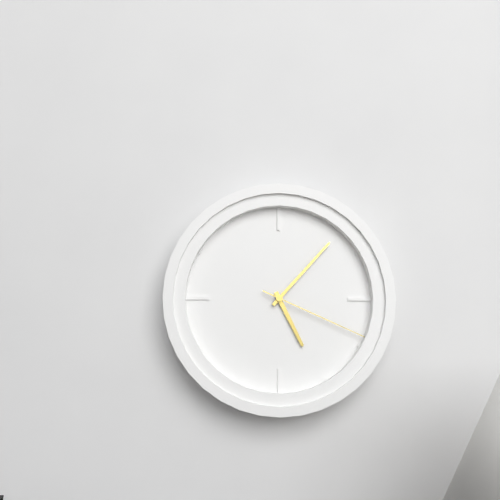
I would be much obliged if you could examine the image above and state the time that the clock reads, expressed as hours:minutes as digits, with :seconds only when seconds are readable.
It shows 5:07:19
